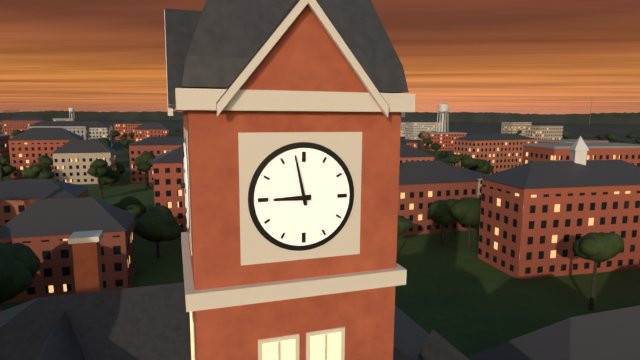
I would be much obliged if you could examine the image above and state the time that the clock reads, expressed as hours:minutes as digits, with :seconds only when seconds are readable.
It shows 8:58
